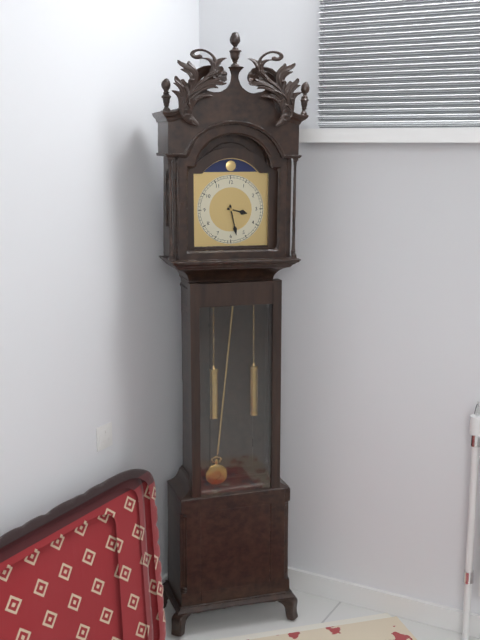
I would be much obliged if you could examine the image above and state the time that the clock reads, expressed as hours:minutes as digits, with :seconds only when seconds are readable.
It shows 3:28
